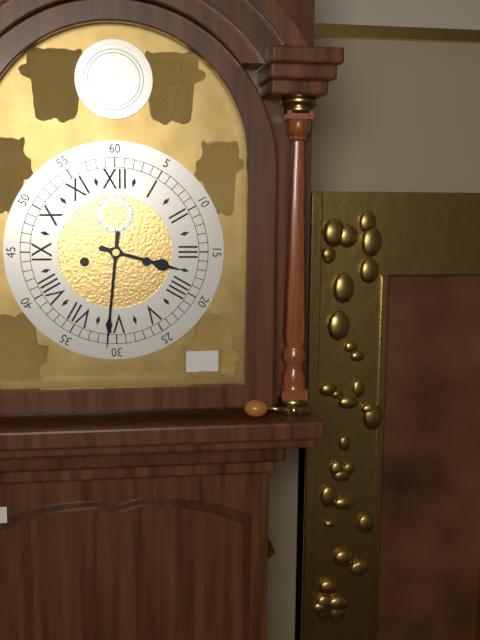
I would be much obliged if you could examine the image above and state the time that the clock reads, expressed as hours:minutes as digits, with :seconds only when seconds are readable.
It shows 3:31
